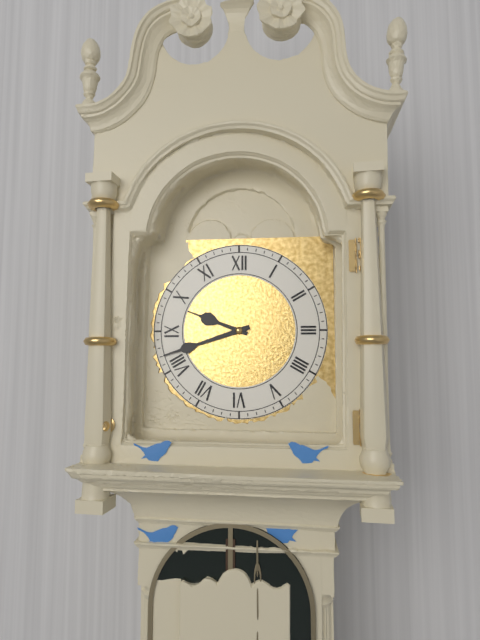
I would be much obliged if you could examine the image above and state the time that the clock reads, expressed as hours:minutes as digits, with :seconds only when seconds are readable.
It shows 9:42
